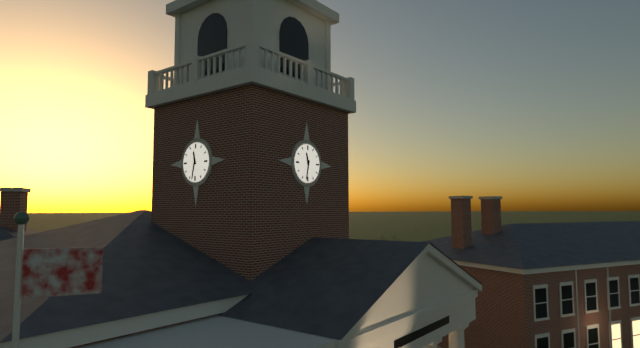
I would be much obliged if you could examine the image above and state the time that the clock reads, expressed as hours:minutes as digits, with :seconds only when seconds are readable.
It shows 11:32
